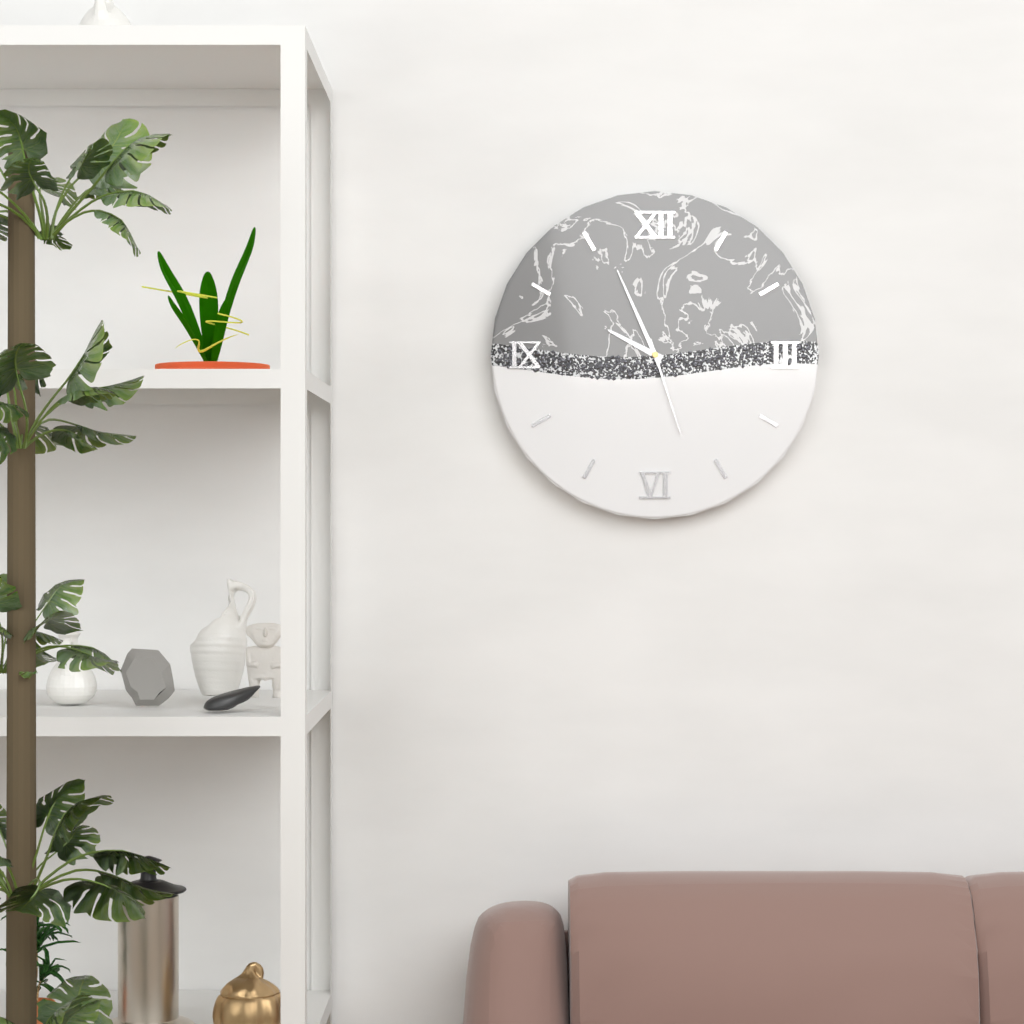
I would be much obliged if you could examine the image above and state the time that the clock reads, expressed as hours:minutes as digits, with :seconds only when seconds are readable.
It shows 9:56:27
